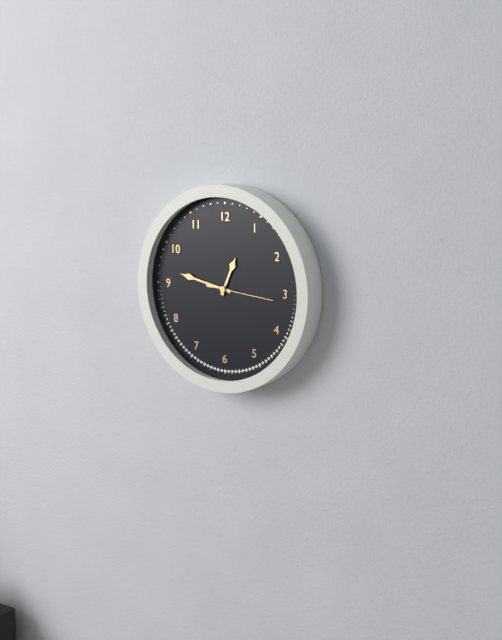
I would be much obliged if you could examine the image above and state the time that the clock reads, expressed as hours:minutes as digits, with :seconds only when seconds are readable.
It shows 12:47:16
